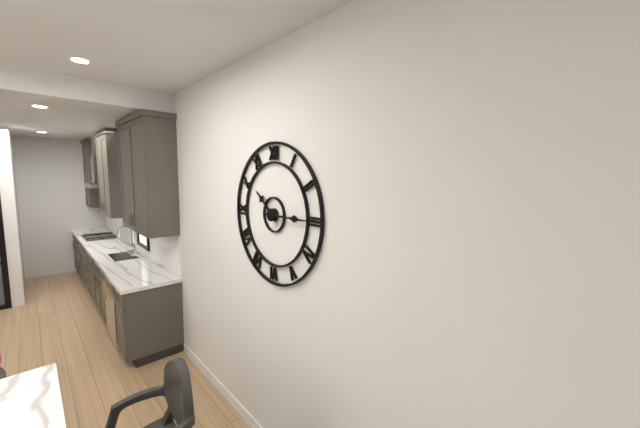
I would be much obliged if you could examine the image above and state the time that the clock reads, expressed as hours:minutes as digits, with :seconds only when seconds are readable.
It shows 10:15
